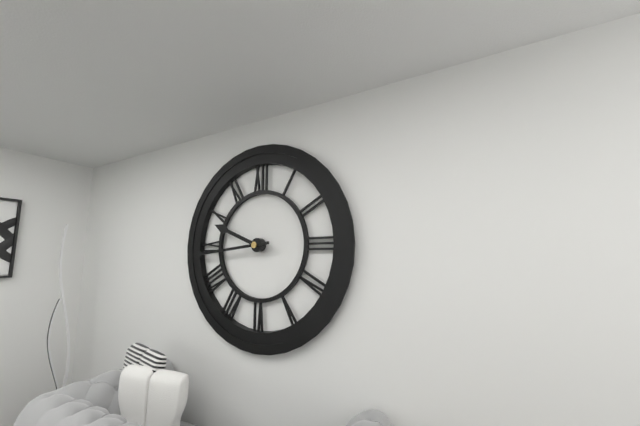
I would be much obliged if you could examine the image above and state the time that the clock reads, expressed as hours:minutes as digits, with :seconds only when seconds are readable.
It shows 9:44
